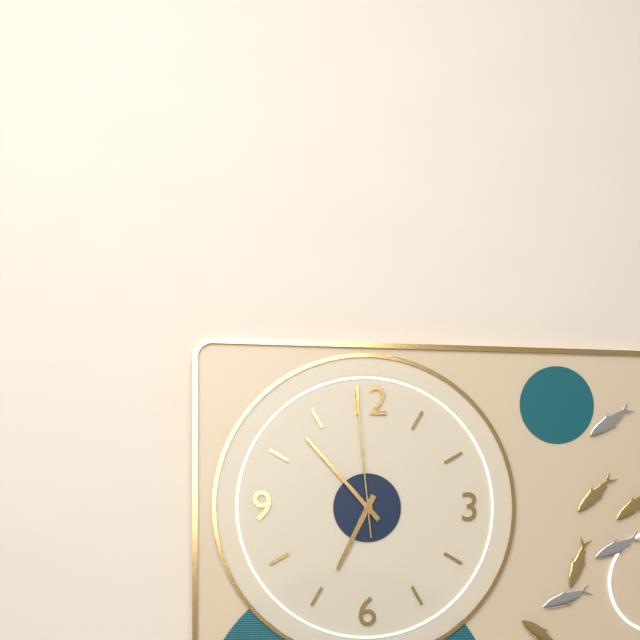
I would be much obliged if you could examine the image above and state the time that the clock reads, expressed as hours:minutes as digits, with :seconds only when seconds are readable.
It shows 6:53:59
